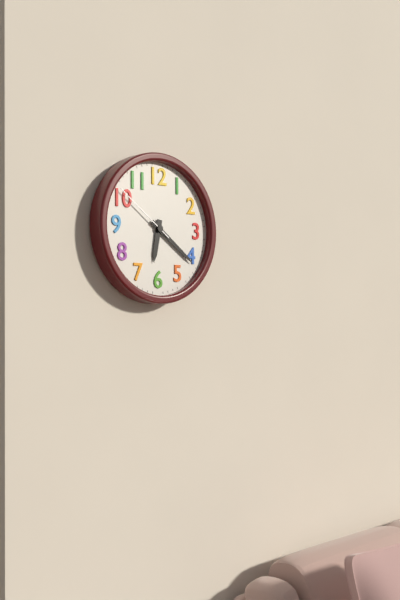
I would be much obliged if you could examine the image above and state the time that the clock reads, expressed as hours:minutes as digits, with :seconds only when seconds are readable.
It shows 6:21:51
